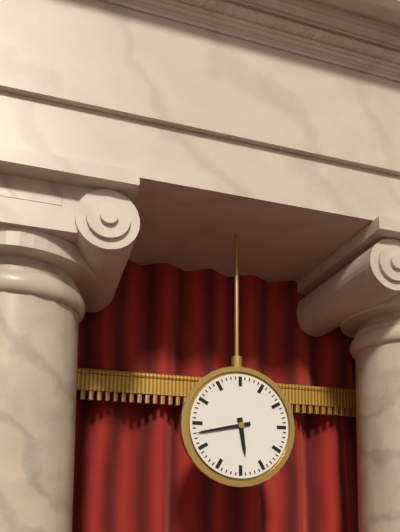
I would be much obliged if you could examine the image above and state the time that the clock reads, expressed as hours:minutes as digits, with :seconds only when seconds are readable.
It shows 5:43
